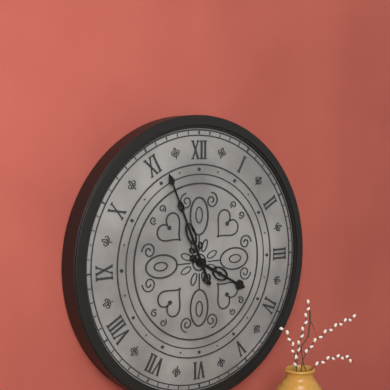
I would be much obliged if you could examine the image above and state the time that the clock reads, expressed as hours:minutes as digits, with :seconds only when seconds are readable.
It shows 3:56
